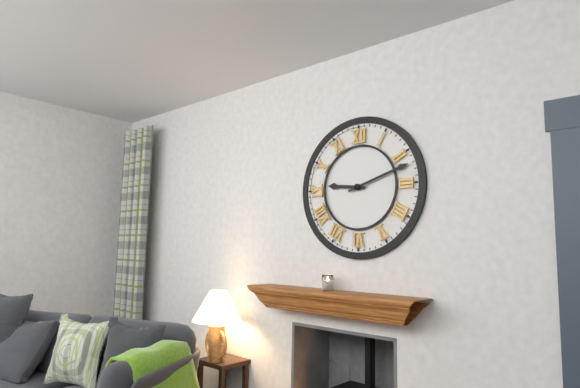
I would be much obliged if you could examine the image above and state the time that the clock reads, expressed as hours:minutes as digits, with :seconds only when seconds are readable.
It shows 9:12
